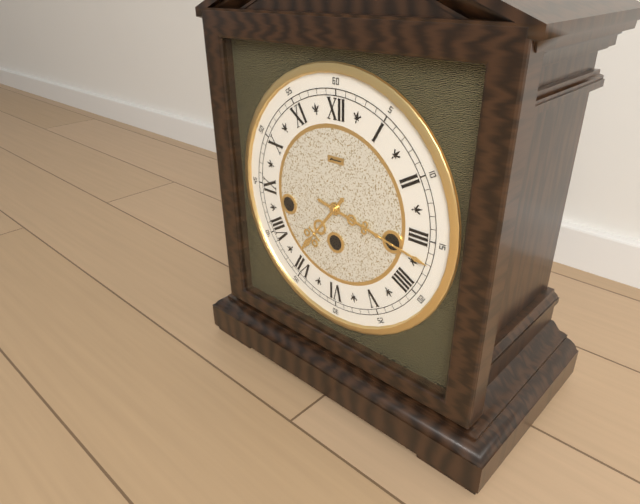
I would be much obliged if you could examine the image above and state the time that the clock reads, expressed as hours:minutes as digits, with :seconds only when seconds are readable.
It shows 7:17
